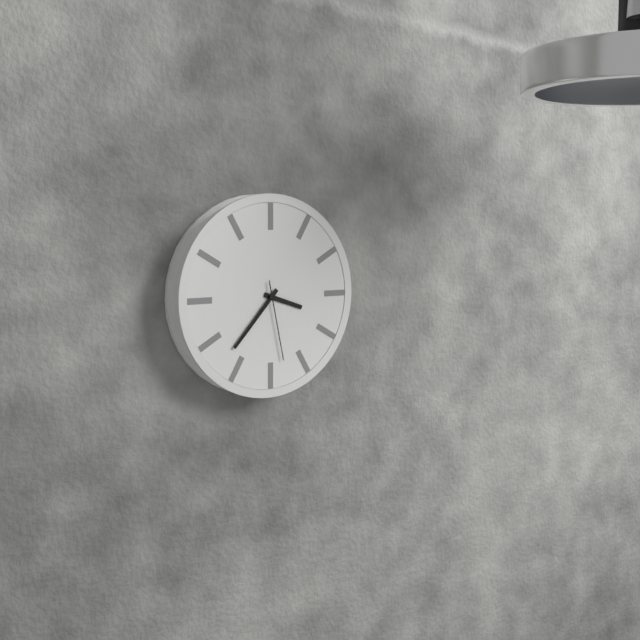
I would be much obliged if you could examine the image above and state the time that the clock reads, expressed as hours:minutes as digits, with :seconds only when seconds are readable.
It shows 3:37:28
